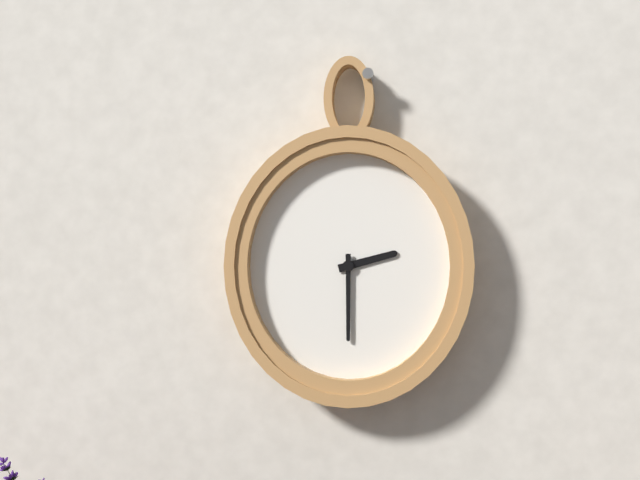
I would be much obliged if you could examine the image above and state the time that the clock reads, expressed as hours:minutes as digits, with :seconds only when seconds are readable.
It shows 2:30
